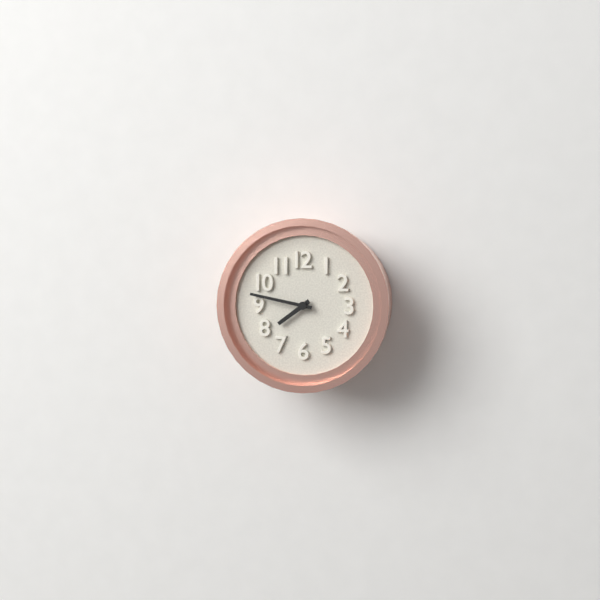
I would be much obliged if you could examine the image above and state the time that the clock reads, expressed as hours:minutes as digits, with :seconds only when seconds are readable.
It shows 7:47
